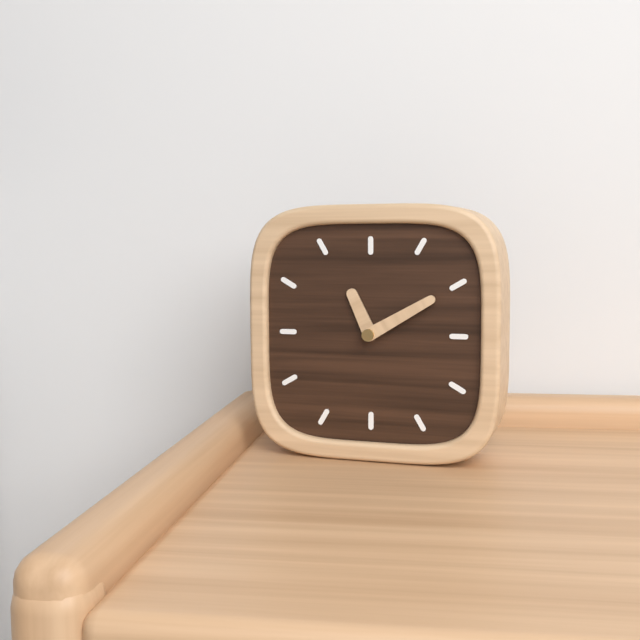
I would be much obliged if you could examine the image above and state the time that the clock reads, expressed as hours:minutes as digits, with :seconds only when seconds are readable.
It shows 11:10
